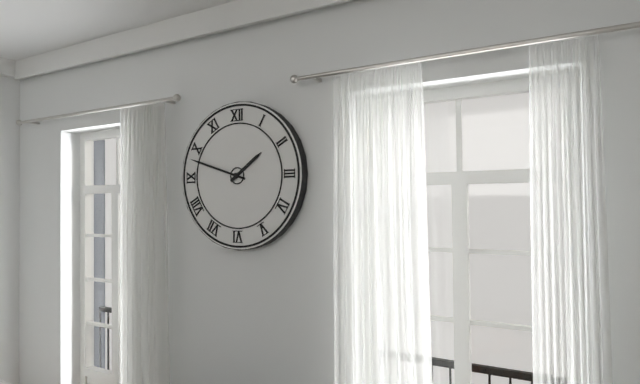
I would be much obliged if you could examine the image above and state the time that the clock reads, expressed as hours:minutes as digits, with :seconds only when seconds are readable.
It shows 1:48
